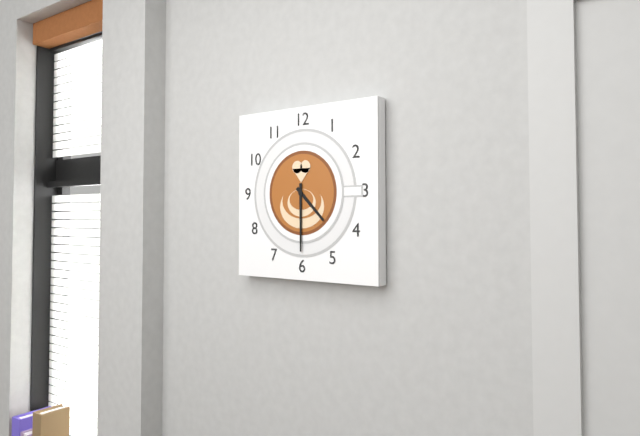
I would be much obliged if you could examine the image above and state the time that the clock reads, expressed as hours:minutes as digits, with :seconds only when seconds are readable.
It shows 4:30
